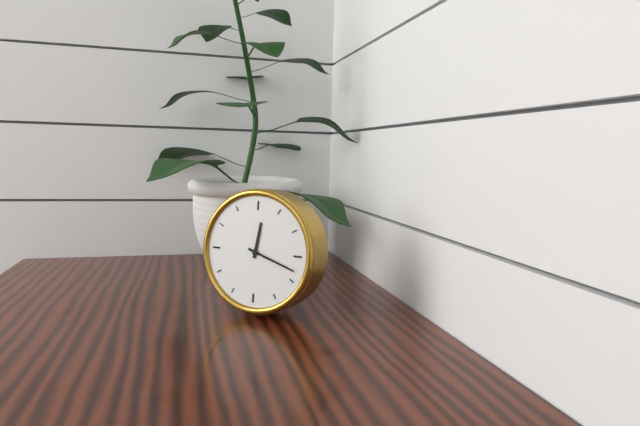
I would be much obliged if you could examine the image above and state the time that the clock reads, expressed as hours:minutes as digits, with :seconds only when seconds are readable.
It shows 12:18
